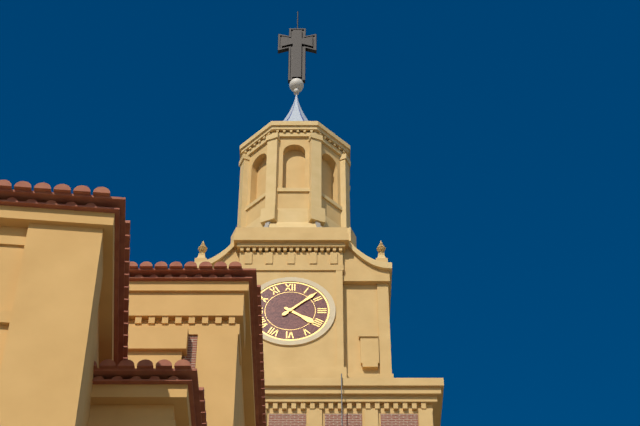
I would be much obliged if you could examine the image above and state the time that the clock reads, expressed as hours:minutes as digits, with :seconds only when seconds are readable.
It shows 4:08
